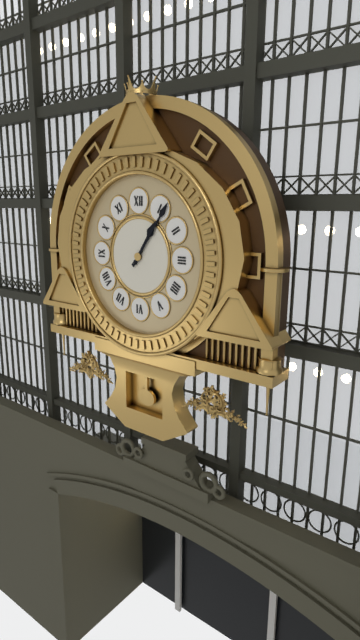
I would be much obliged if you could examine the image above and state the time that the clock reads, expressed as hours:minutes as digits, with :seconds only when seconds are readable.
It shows 1:06
